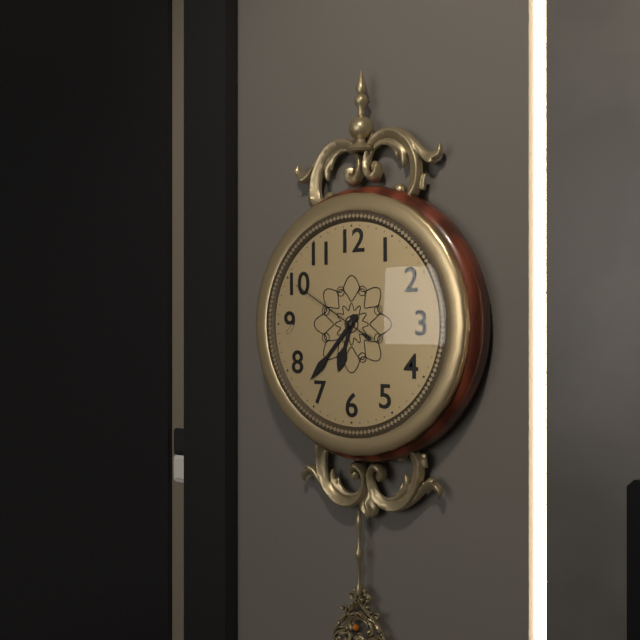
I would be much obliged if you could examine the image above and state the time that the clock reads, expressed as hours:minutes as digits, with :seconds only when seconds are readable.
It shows 6:37:50
